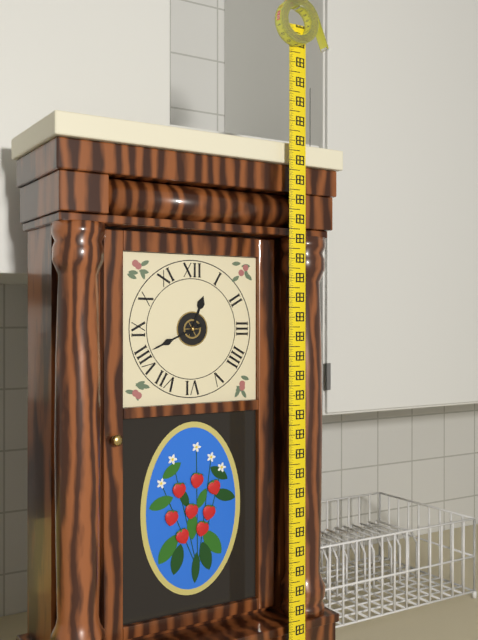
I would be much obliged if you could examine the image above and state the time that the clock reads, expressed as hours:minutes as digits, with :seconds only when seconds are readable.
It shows 12:41
